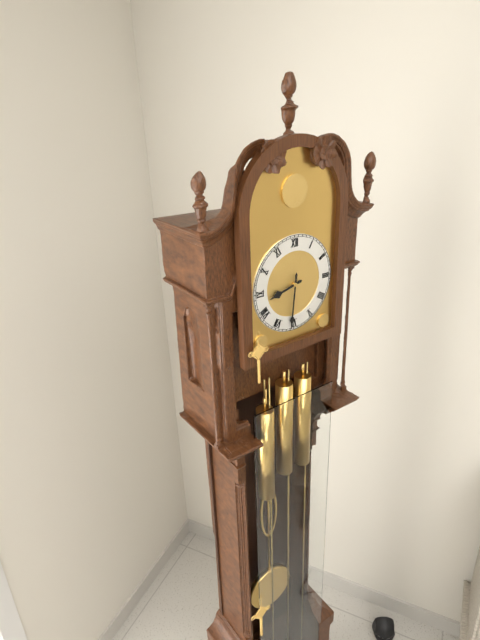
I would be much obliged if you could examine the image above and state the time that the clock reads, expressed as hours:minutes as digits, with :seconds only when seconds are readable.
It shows 8:31
